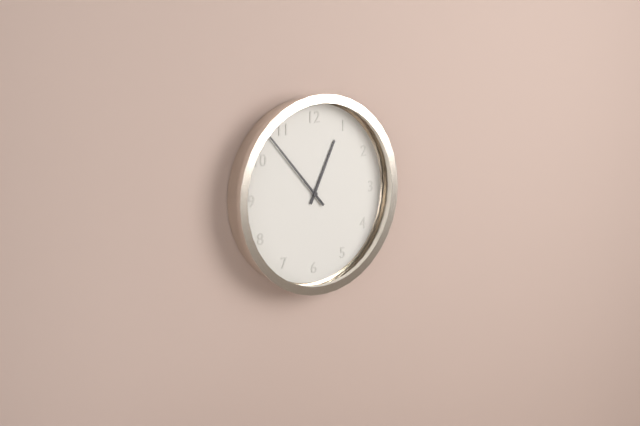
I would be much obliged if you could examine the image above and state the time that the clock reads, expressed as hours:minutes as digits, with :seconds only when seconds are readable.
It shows 12:53
